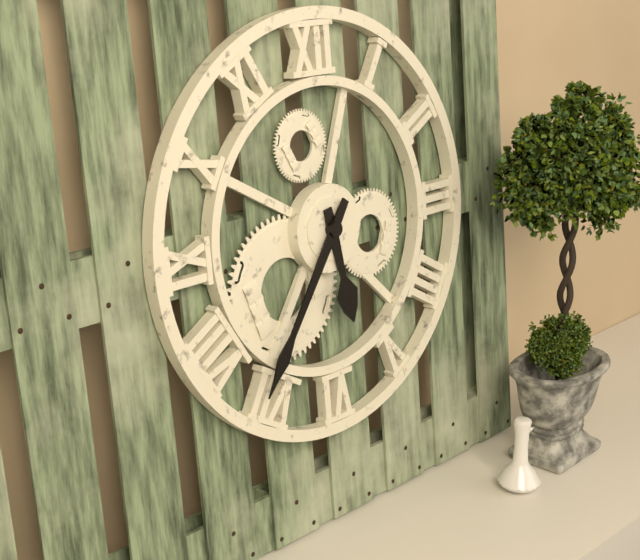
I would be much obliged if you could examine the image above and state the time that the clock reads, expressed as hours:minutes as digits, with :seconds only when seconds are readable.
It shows 5:36
